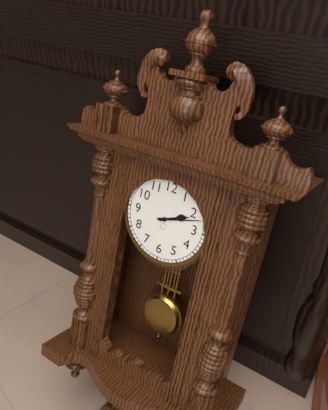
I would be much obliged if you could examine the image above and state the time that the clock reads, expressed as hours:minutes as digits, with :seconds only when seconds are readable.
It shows 2:12
